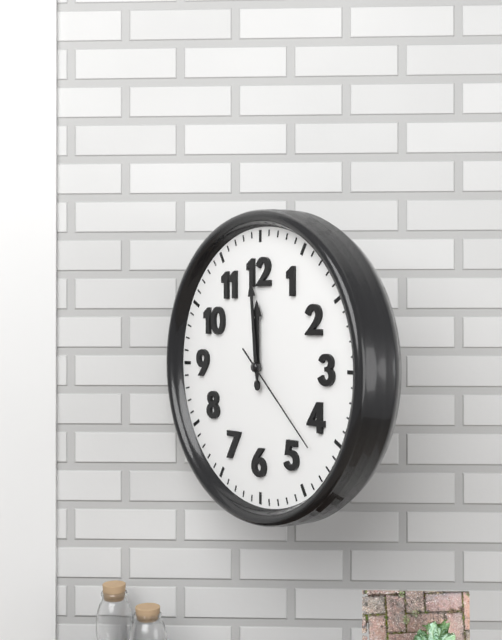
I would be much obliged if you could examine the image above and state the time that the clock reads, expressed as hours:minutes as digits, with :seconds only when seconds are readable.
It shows 11:59:22
